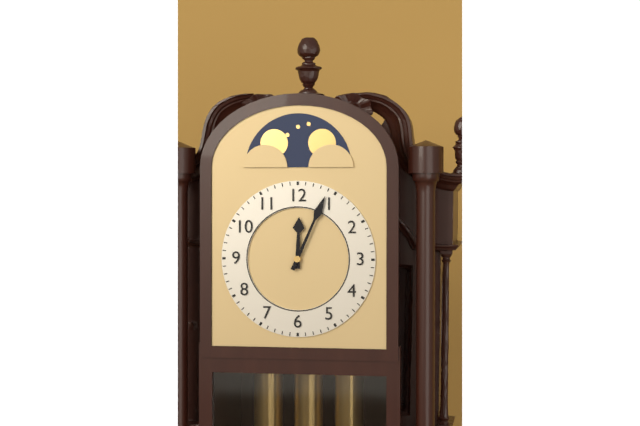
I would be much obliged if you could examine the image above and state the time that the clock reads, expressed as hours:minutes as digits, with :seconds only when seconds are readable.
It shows 12:04
